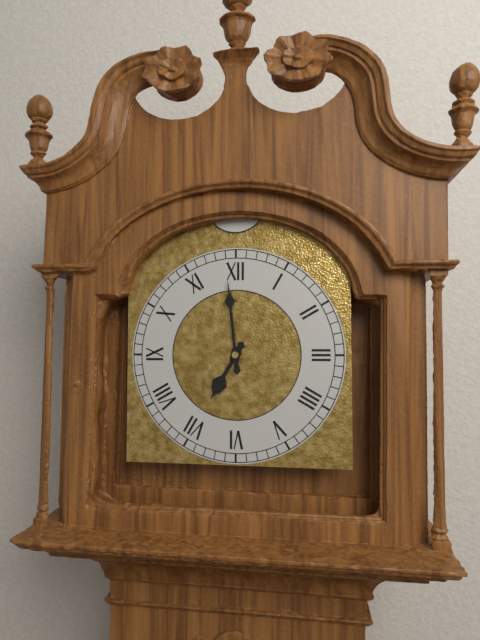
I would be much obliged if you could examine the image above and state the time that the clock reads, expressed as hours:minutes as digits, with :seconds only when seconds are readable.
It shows 6:59
